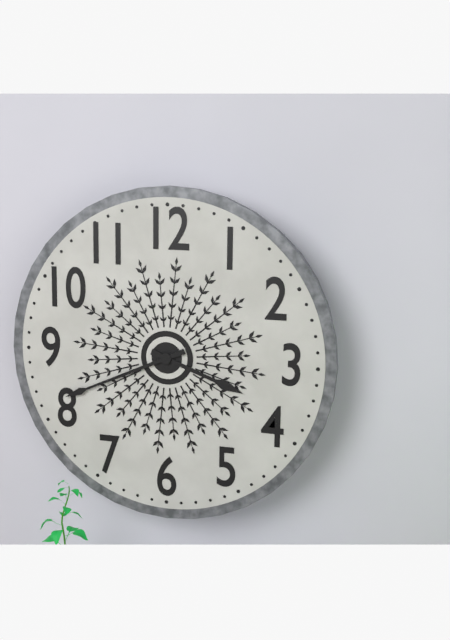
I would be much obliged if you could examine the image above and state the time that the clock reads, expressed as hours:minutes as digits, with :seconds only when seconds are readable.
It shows 3:41
